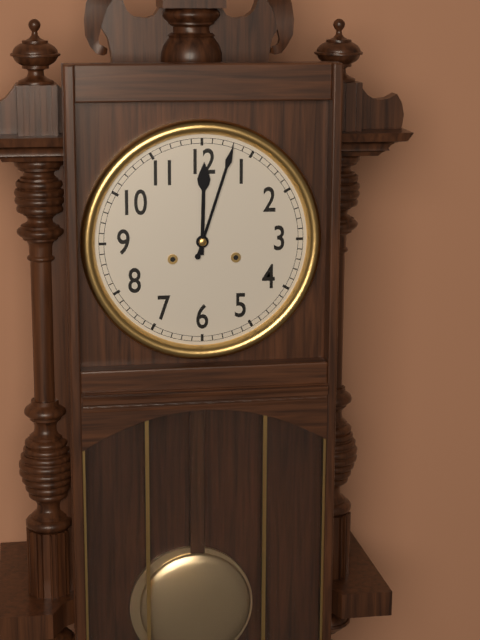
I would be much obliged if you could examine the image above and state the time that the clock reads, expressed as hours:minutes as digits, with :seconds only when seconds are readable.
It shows 12:03
